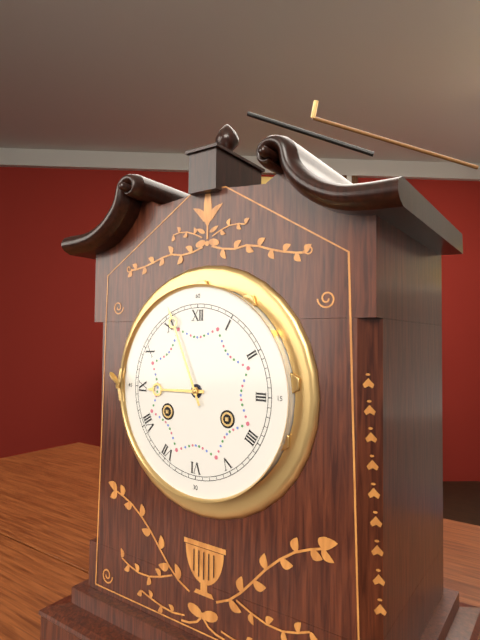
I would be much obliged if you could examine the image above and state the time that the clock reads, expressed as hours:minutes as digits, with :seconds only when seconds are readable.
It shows 8:56
